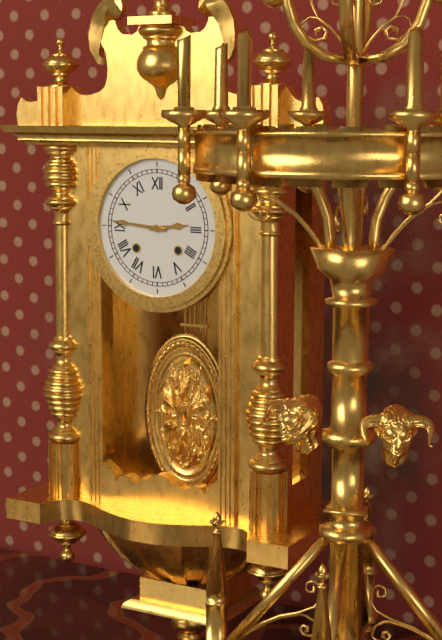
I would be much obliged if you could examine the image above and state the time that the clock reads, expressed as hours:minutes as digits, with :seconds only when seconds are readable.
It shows 2:46
